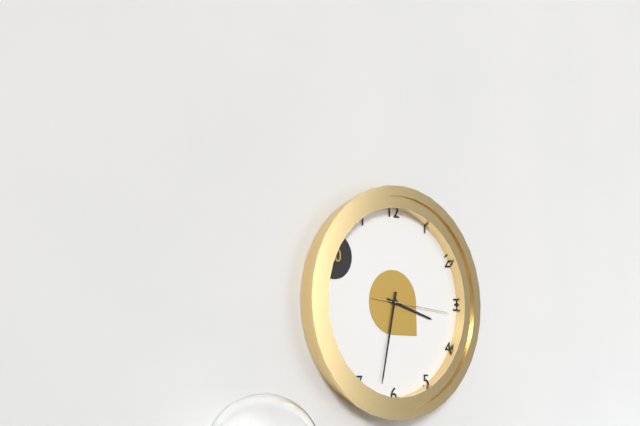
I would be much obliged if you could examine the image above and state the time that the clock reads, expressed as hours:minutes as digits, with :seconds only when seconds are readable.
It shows 3:32:16
